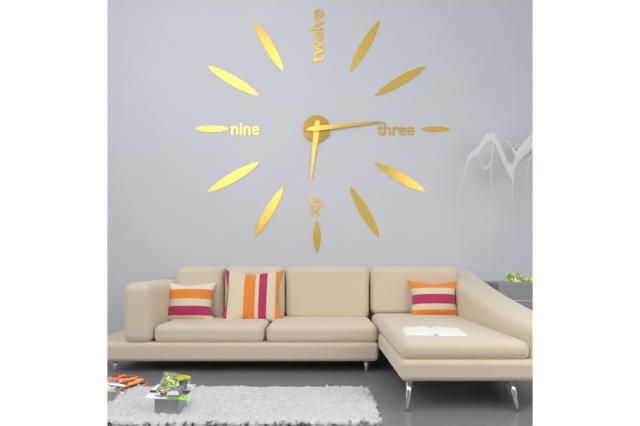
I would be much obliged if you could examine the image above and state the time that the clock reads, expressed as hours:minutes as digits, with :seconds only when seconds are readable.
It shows 6:14
